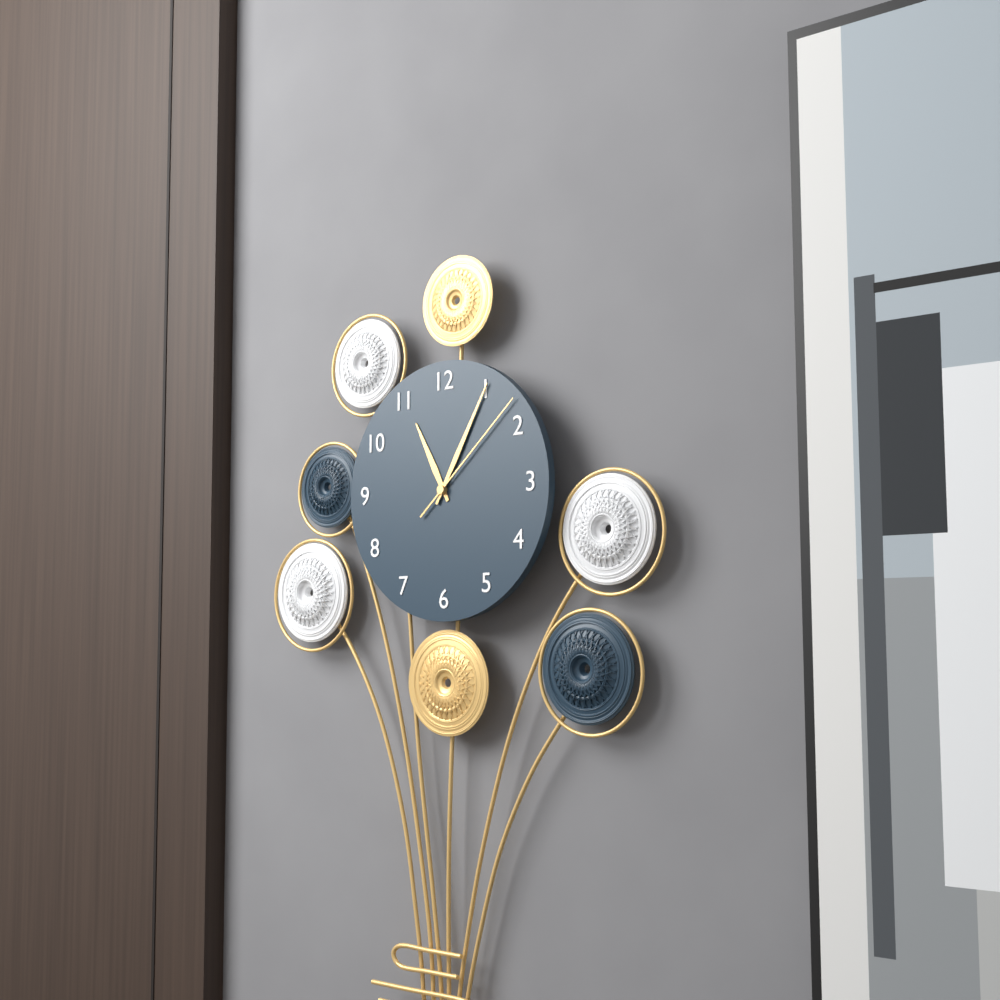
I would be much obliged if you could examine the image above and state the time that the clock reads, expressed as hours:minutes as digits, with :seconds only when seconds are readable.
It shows 11:05:08
